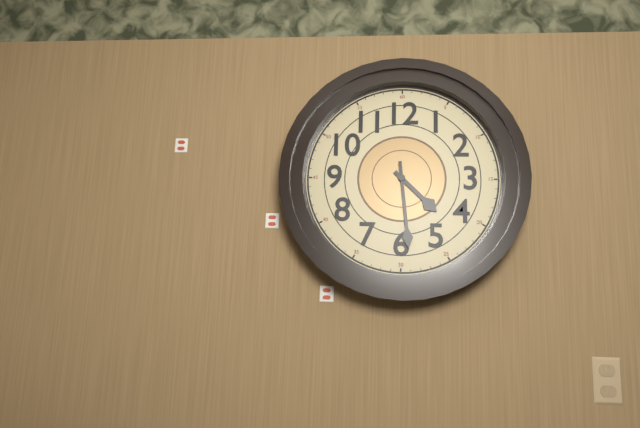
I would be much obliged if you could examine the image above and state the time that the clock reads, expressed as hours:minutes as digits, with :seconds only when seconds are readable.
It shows 4:29
